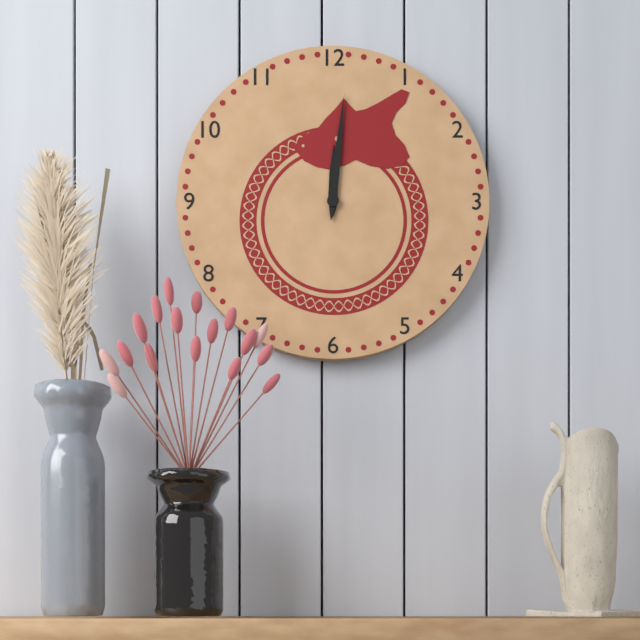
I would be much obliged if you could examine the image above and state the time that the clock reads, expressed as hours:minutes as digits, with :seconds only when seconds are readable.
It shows 12:01
